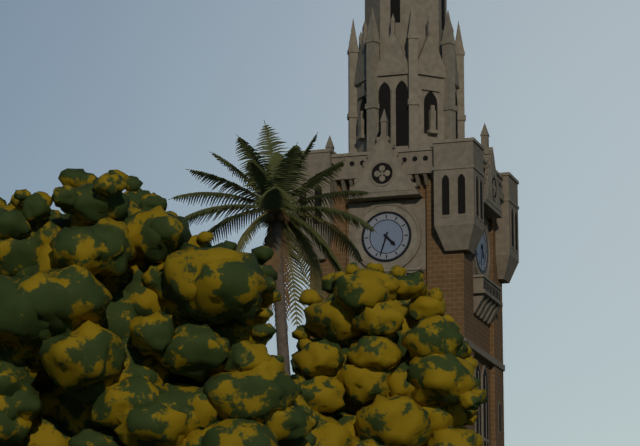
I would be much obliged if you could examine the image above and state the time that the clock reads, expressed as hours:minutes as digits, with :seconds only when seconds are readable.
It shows 4:33
